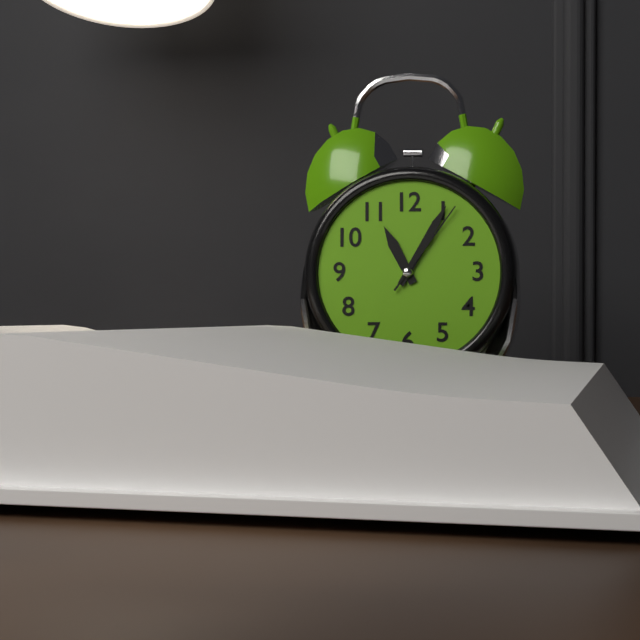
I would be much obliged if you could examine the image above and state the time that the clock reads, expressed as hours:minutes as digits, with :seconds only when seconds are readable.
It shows 11:05:06
